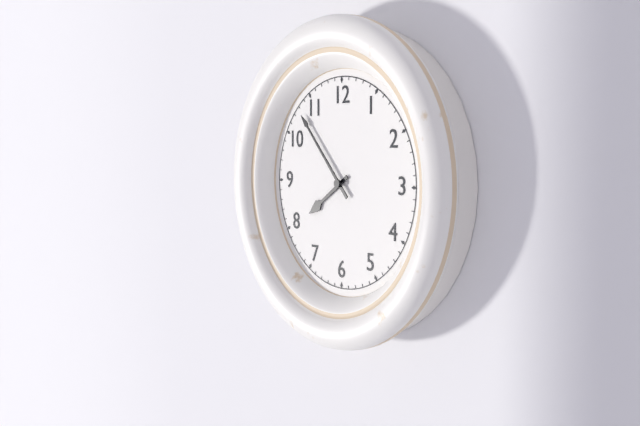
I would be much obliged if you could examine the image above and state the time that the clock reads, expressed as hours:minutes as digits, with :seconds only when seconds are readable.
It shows 7:53
